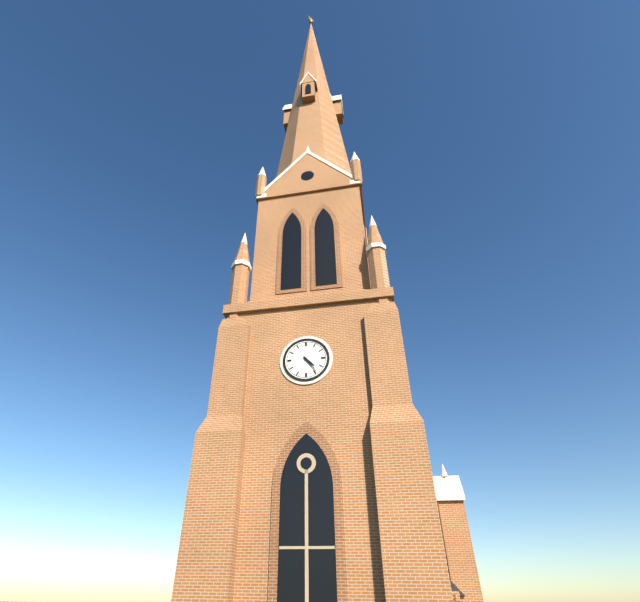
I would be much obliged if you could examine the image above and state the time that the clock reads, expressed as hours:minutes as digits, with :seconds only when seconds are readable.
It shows 4:24
